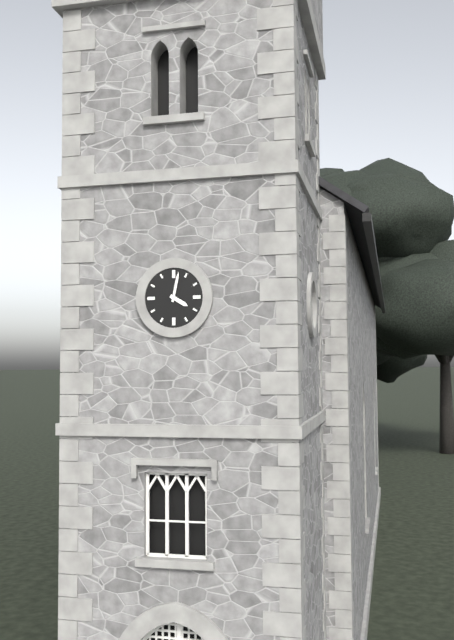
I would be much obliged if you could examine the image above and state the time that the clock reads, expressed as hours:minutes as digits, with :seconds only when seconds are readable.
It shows 4:02
